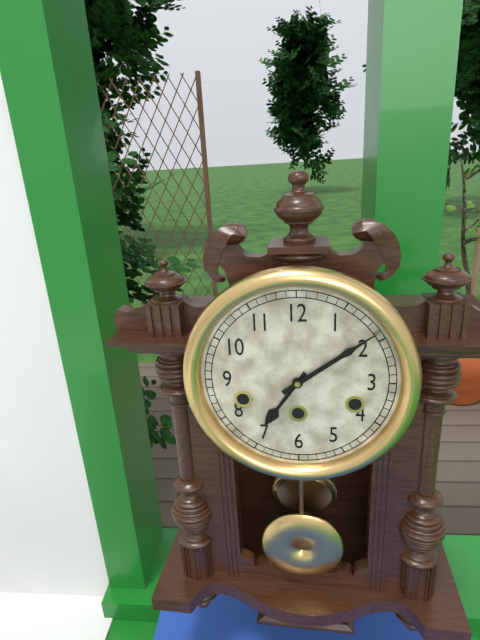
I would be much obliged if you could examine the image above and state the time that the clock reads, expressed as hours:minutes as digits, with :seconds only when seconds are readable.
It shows 7:09
